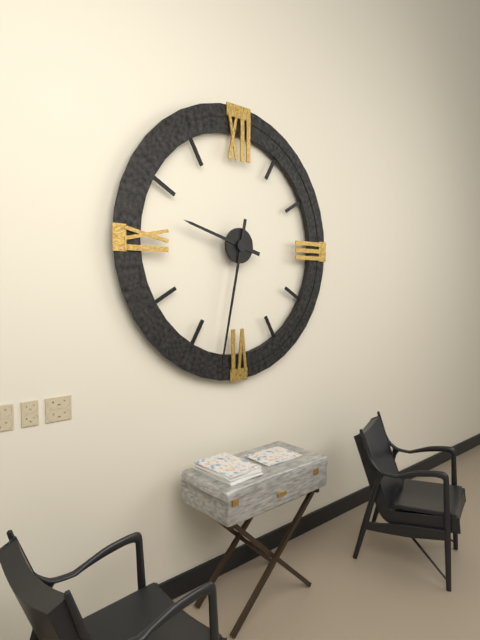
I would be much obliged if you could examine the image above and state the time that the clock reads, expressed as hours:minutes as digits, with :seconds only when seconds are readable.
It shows 9:32
